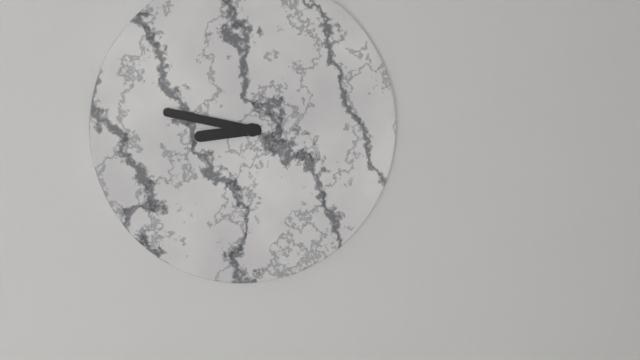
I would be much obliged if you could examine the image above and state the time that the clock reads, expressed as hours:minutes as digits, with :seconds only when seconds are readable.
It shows 8:47
